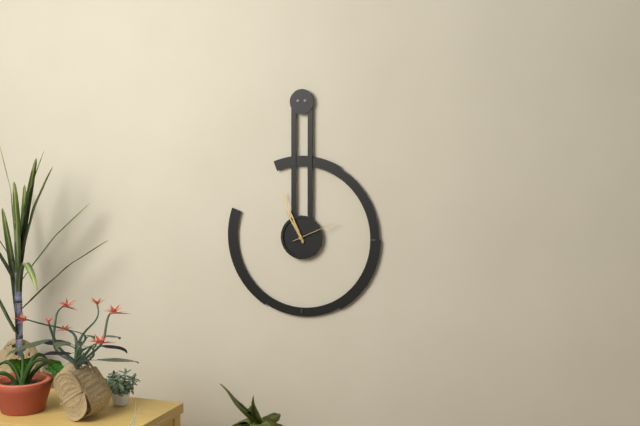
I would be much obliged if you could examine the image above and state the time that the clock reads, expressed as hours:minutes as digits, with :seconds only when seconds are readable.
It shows 10:56
